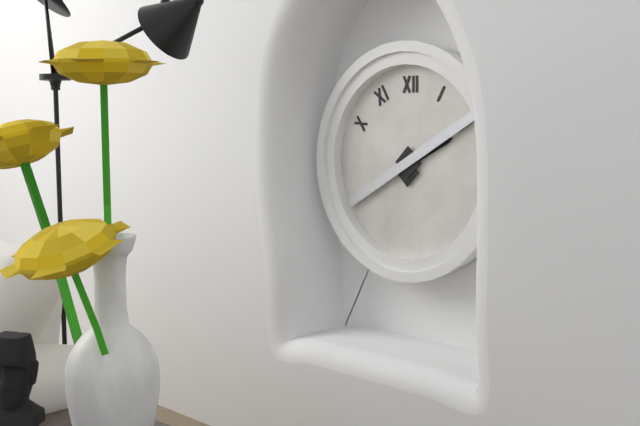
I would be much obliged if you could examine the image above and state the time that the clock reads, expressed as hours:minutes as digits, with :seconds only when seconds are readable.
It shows 2:10
